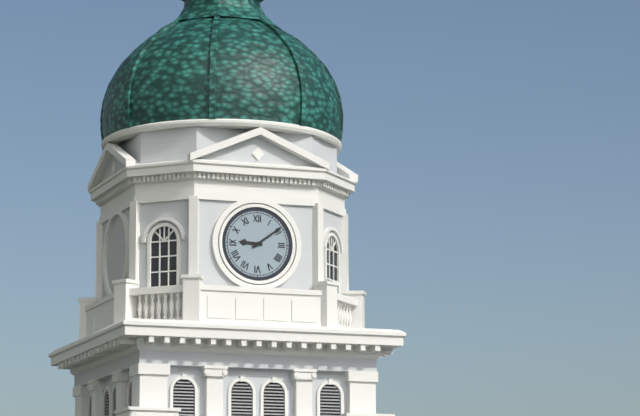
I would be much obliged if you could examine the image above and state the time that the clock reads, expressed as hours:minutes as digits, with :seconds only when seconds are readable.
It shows 9:09
